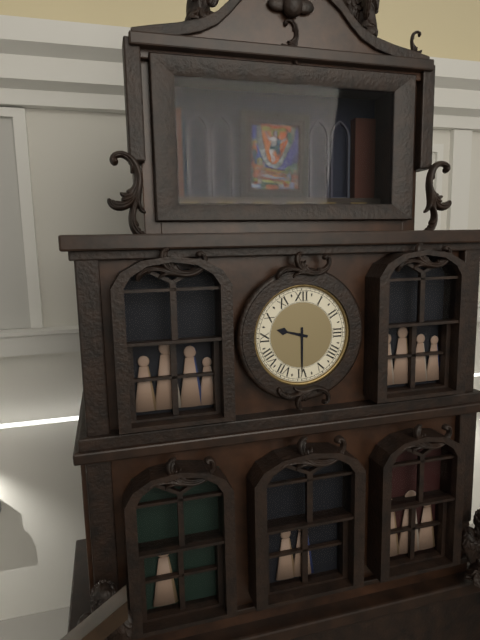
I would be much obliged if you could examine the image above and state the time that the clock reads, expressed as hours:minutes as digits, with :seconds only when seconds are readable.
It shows 9:30
